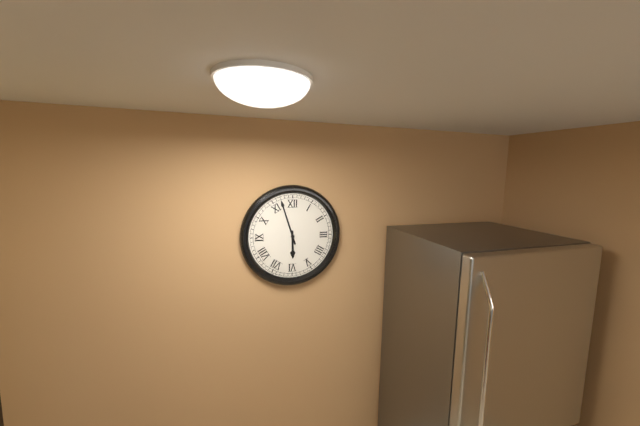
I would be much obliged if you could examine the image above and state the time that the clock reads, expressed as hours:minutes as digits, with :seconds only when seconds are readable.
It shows 5:57
